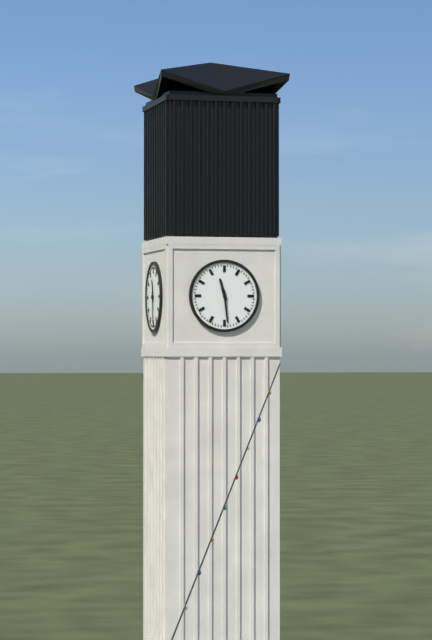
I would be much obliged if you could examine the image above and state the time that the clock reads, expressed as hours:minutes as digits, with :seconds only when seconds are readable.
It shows 11:29
